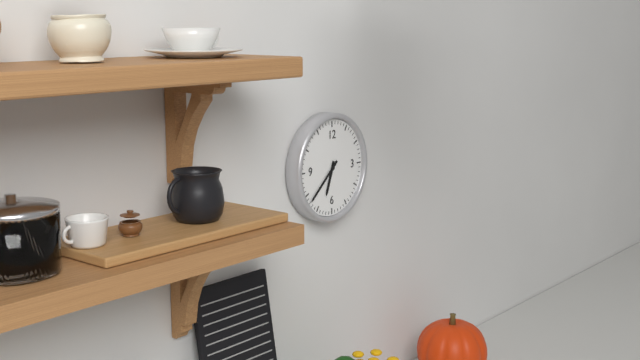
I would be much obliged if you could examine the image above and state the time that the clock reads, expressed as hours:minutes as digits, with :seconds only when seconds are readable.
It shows 6:38
